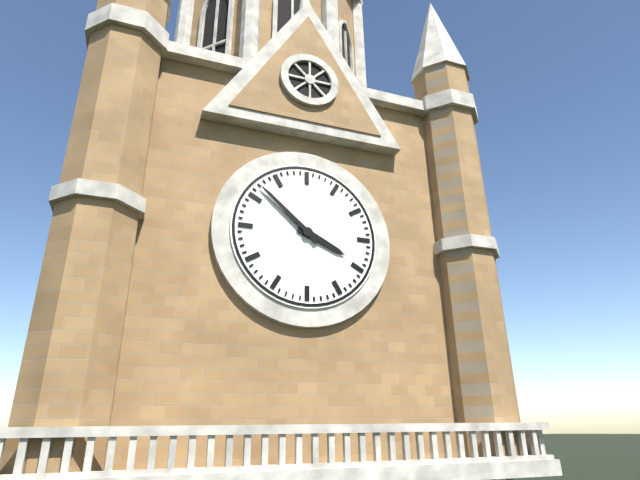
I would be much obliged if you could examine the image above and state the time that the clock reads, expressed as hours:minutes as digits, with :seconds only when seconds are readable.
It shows 3:52
